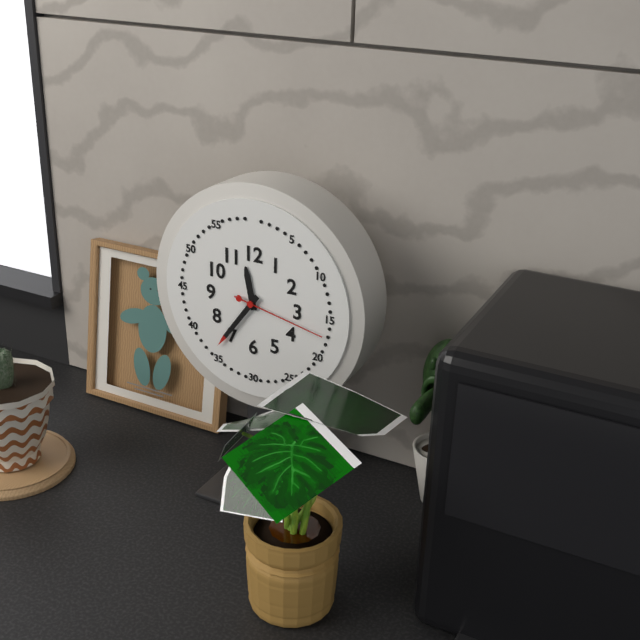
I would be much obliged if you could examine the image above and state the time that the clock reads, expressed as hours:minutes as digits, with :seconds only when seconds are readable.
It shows 11:36:17
